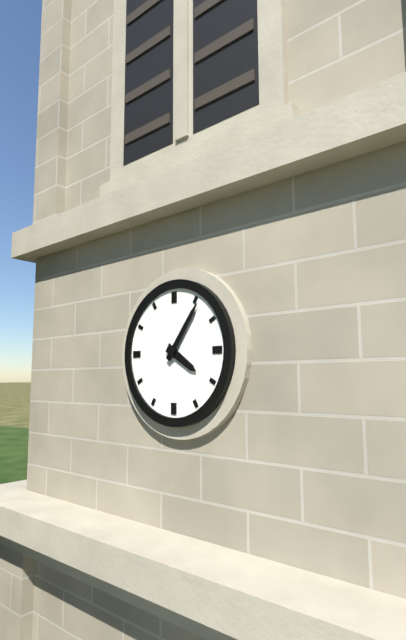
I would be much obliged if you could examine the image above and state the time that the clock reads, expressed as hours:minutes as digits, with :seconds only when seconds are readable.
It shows 4:06
